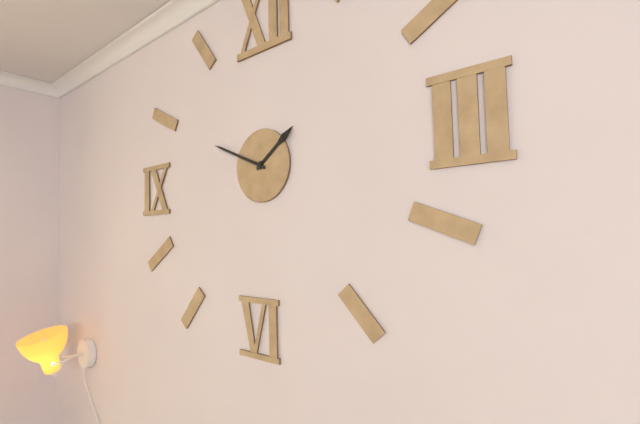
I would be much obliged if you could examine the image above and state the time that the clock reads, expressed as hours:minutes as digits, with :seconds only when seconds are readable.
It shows 1:49
